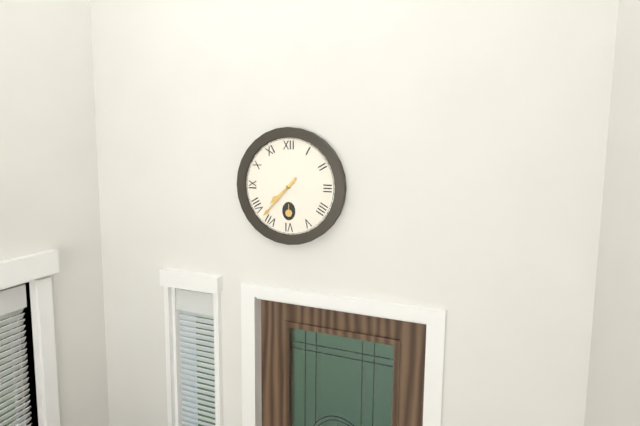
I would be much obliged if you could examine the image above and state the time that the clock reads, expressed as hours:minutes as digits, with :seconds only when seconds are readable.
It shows 7:37
